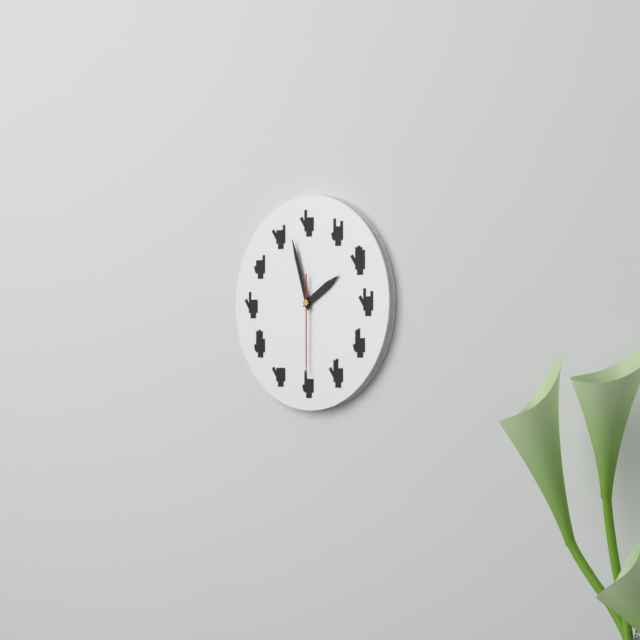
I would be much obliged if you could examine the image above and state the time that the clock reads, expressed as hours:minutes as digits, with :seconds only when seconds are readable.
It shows 1:57:30
